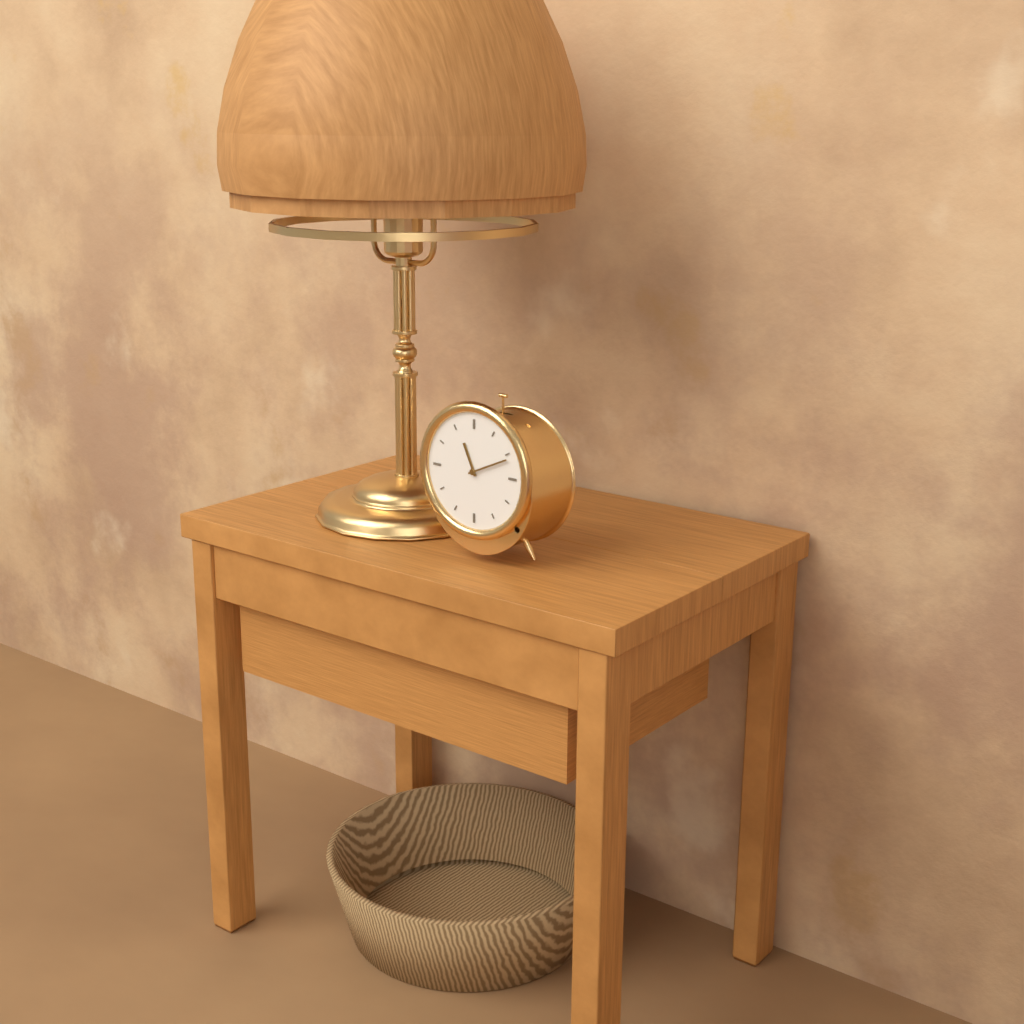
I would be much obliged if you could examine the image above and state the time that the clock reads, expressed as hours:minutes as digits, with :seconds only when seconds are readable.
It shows 11:11
